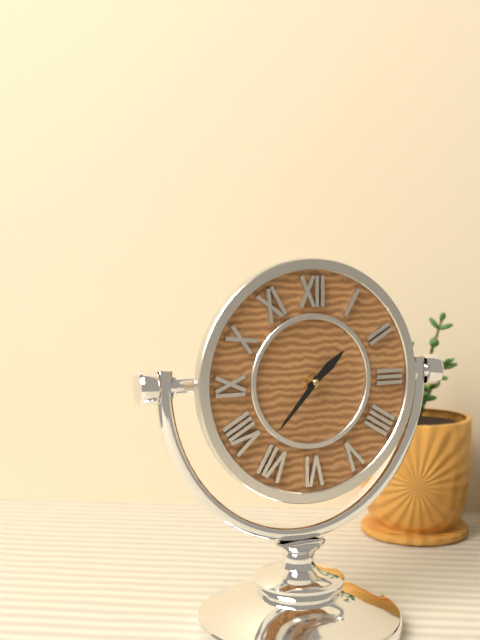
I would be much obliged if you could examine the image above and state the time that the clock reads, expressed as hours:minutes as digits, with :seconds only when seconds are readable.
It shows 1:37
